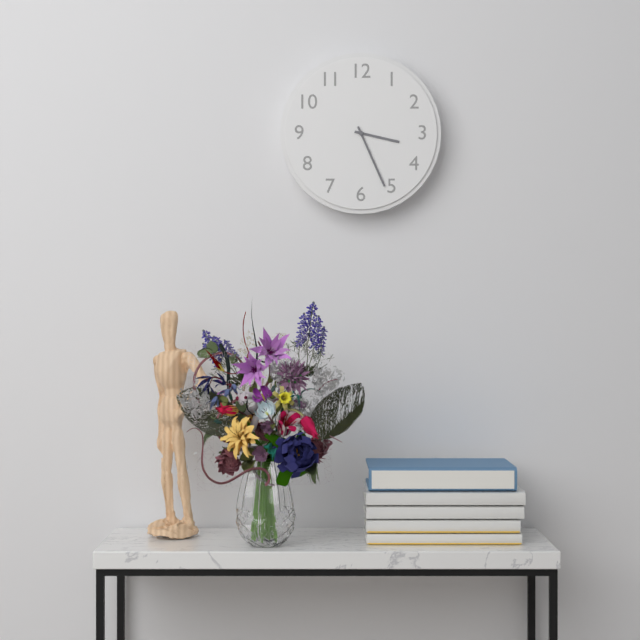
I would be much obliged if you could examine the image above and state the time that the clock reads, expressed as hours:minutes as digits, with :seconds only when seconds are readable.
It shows 3:26
